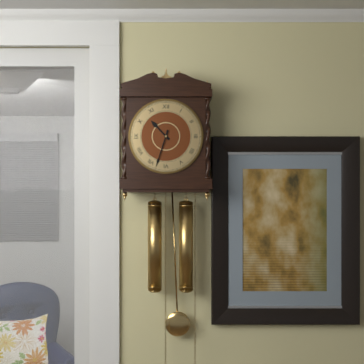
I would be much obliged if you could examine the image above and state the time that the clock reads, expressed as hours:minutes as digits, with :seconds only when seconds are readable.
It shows 10:33
